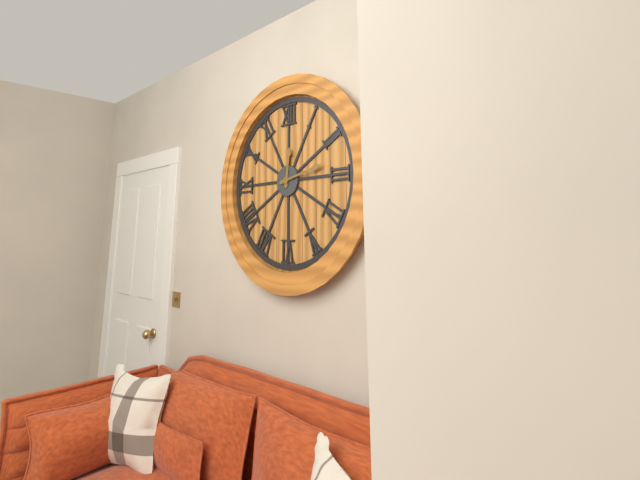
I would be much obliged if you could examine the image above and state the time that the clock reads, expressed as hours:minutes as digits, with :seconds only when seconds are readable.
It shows 12:13
